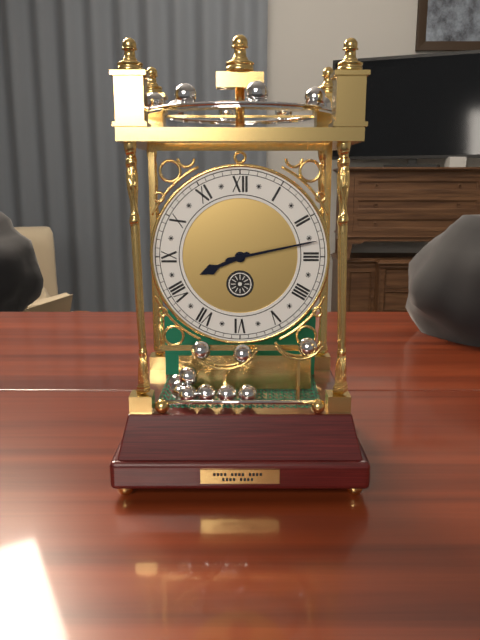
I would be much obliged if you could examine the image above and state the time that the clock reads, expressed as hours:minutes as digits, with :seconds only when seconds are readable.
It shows 8:13
